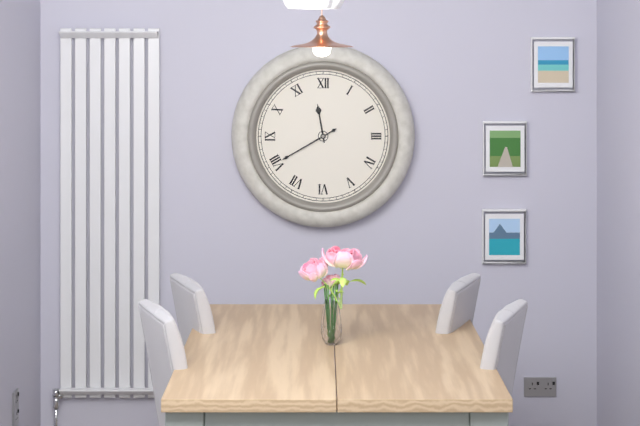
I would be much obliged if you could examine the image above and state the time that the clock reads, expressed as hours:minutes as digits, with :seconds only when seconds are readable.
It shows 11:40
